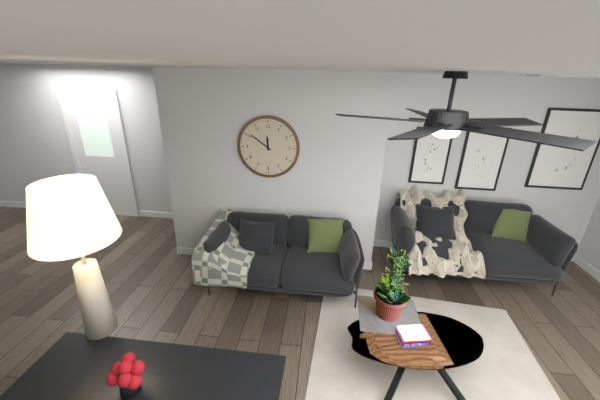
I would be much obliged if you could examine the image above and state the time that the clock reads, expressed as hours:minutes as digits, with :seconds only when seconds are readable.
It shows 11:51
